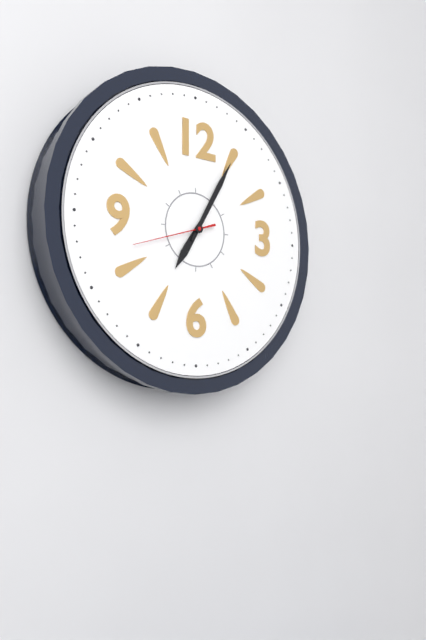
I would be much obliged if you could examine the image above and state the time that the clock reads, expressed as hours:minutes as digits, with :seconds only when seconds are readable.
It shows 7:05:42
